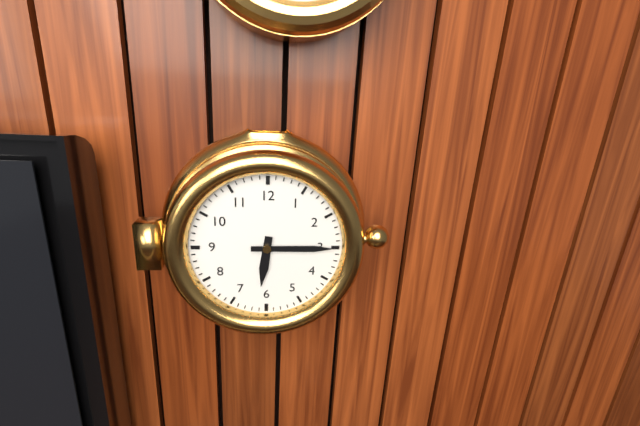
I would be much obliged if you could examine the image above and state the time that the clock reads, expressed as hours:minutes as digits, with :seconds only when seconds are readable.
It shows 6:15
